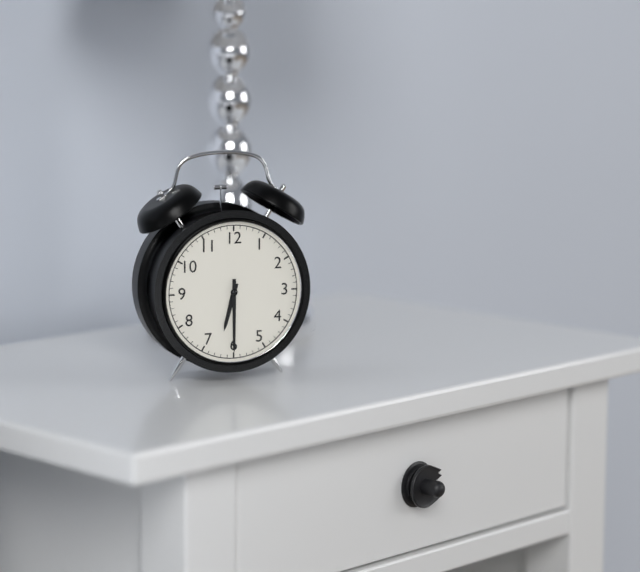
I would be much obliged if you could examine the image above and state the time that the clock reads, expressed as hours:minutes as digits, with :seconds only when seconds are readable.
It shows 6:30
